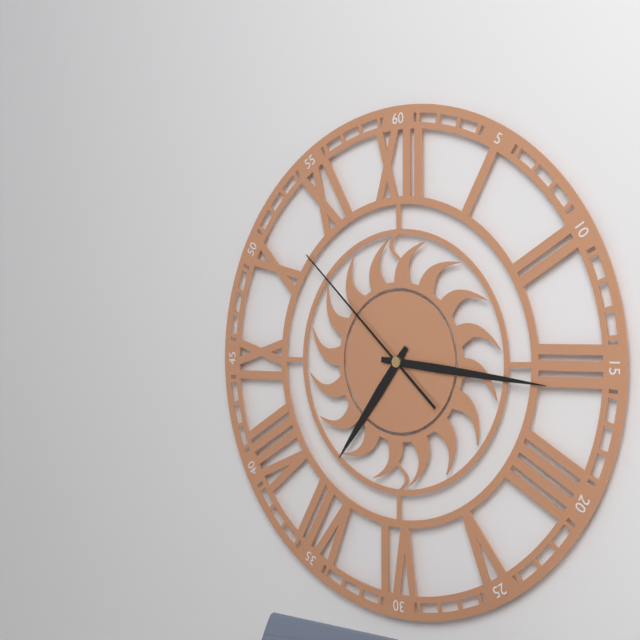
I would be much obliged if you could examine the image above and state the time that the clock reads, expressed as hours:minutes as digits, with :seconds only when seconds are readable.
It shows 7:16:52
